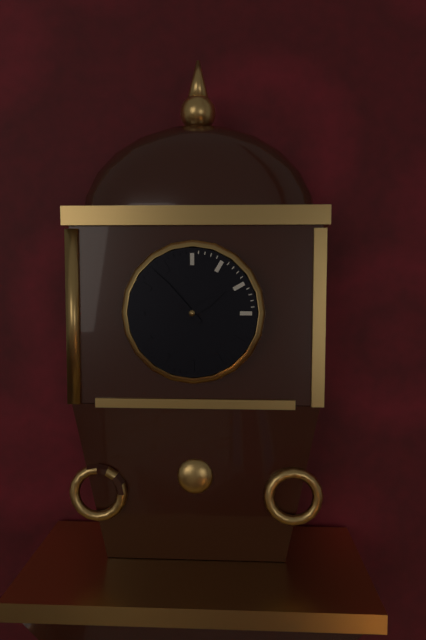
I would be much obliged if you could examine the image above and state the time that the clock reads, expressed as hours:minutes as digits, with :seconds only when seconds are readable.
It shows 1:53
